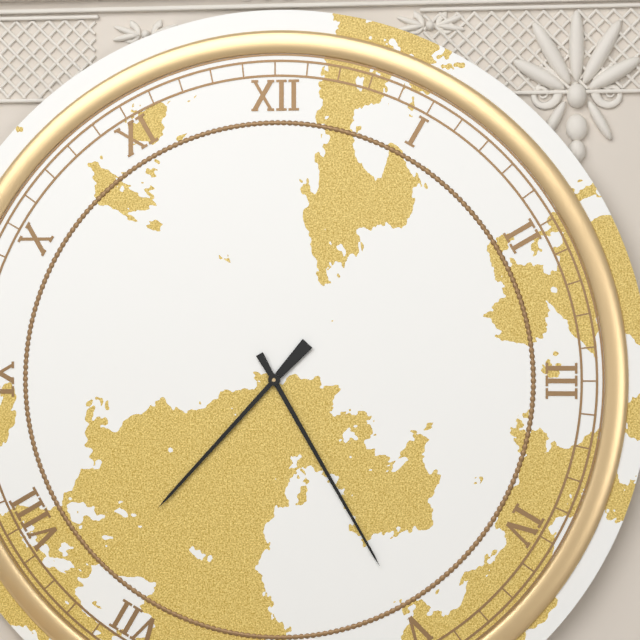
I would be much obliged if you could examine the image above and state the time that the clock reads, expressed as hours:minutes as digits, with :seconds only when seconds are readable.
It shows 7:25
